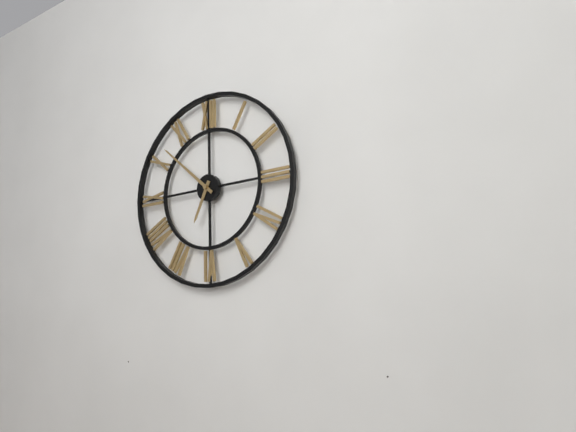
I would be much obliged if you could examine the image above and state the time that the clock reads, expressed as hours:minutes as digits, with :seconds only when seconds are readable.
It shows 6:52
